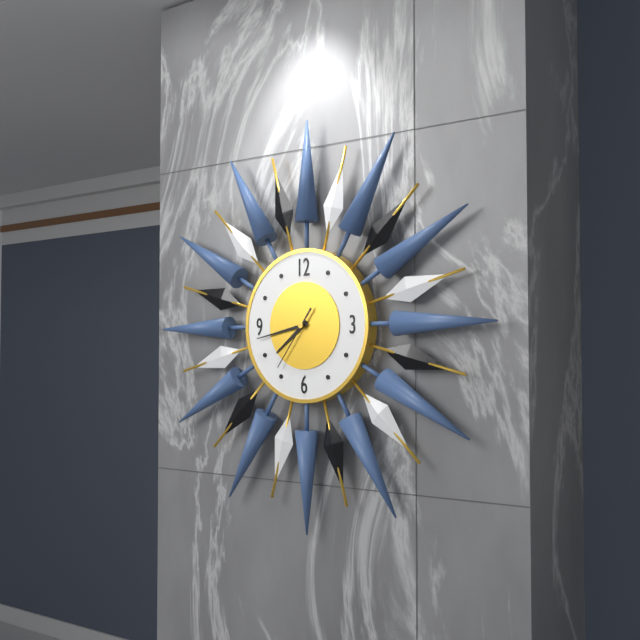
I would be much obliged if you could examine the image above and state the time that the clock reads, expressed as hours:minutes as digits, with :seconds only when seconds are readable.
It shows 7:43:36
